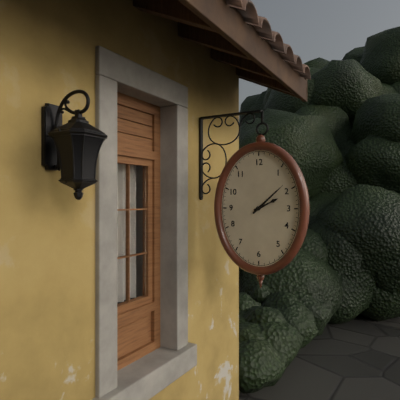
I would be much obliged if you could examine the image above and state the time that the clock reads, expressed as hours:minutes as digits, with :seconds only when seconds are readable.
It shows 2:08
